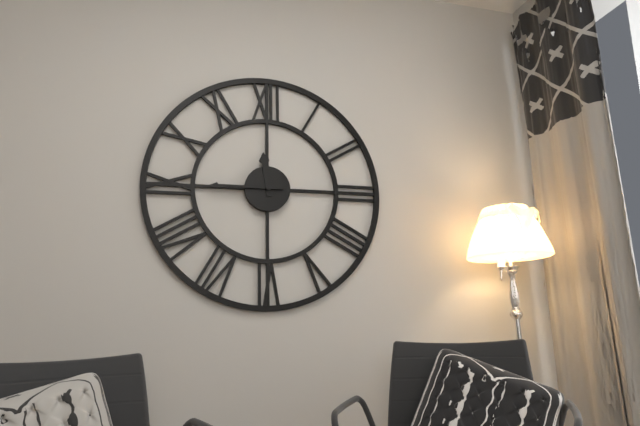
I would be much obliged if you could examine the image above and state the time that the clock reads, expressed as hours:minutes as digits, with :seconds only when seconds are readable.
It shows 11:45
